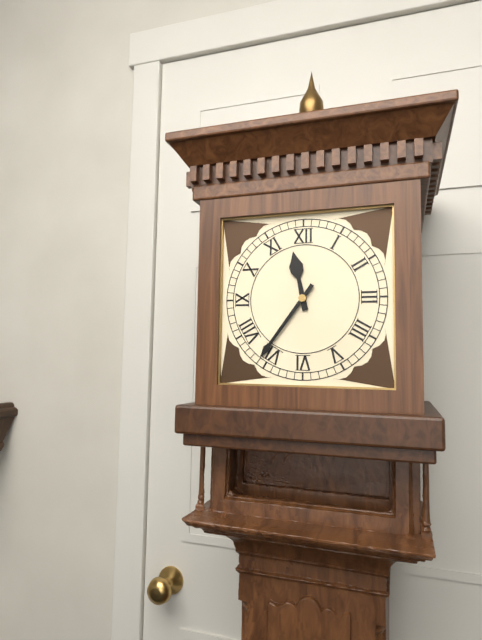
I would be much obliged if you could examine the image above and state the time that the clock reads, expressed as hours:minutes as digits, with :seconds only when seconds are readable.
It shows 11:36
